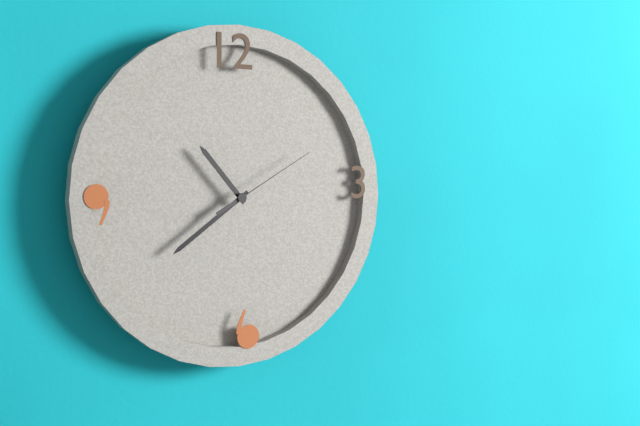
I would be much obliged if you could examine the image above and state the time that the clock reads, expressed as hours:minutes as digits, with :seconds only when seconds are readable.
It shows 10:39:10
